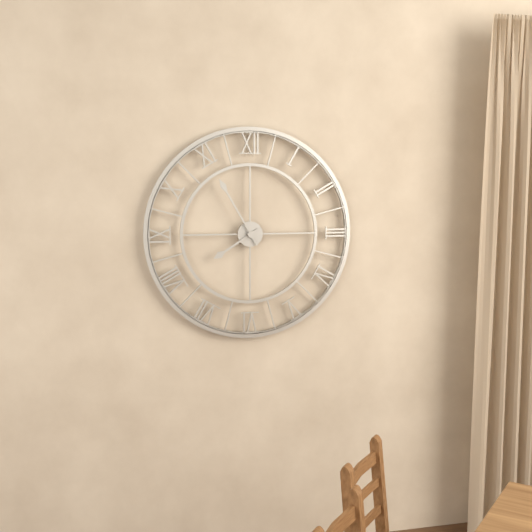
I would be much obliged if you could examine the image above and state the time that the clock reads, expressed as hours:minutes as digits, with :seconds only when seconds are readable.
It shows 7:55
